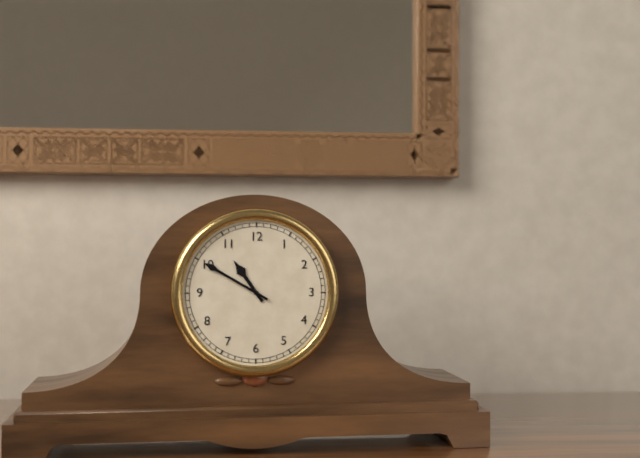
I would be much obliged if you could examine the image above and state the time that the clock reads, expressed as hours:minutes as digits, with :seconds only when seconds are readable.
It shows 10:50
